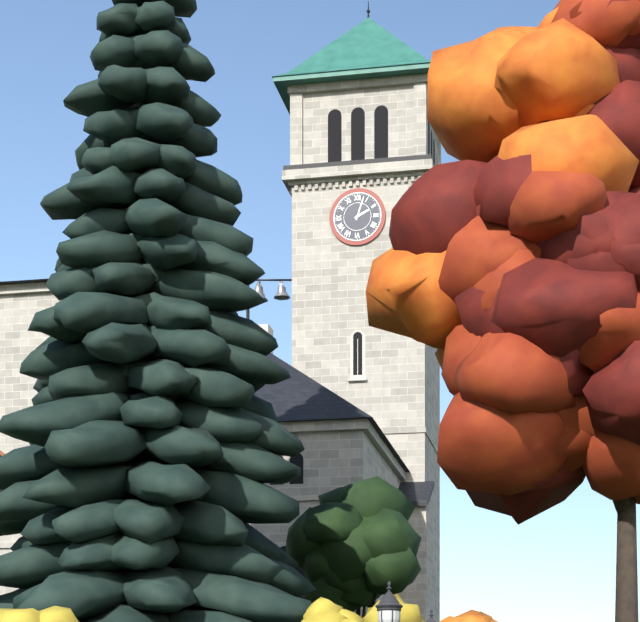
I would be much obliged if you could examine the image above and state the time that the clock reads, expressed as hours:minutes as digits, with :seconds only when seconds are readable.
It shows 2:03
